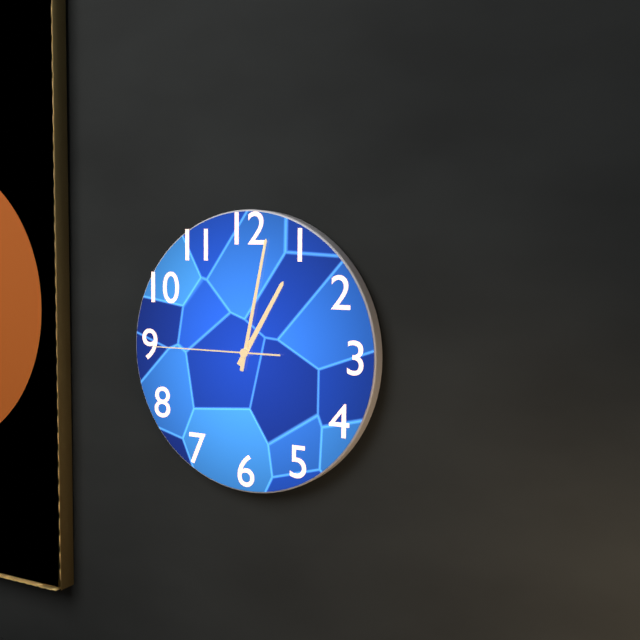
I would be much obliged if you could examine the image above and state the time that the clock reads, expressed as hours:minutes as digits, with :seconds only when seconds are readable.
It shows 1:02:45
